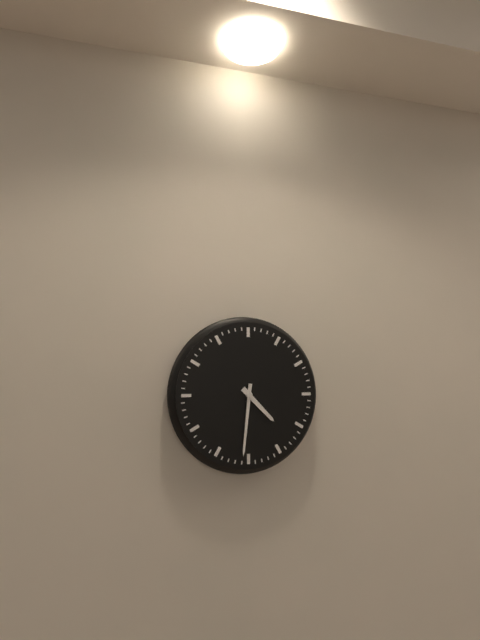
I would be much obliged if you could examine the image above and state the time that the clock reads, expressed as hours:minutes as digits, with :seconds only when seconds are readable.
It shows 4:31
